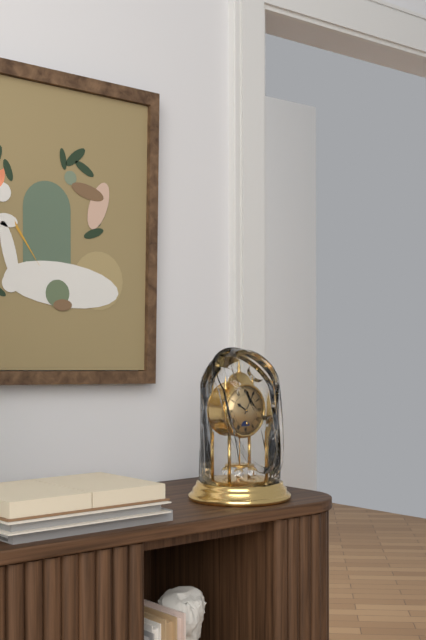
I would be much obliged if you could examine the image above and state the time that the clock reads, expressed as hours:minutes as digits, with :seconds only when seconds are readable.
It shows 10:05
